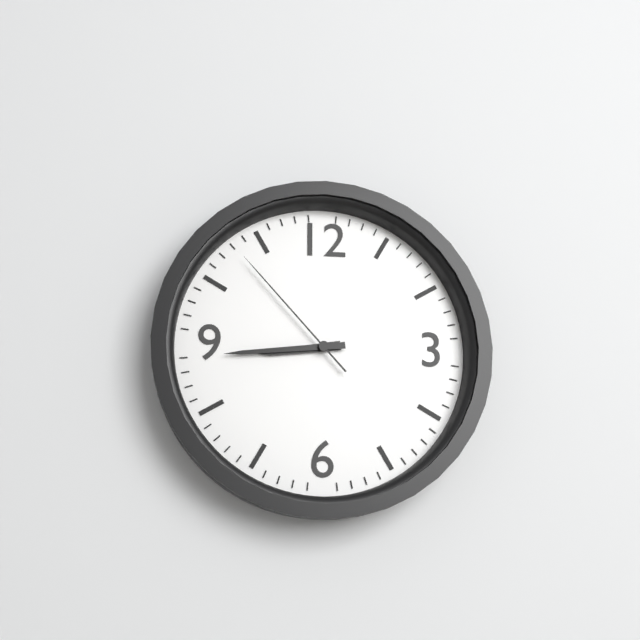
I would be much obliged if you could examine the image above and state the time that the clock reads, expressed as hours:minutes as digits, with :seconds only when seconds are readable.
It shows 8:44:53
